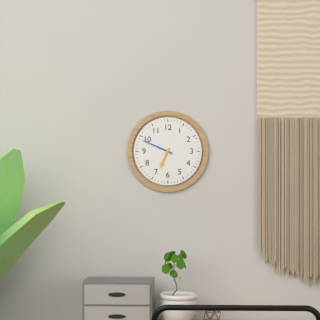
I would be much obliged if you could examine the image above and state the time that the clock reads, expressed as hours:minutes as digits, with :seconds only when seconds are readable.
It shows 6:49
